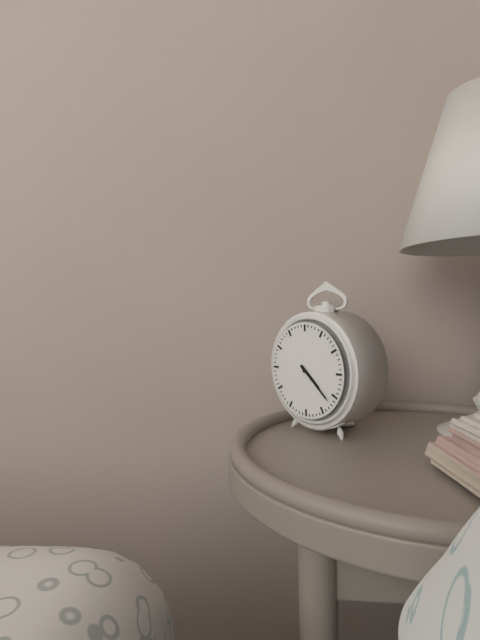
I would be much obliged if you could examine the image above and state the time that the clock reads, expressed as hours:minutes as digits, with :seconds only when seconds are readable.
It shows 4:22
